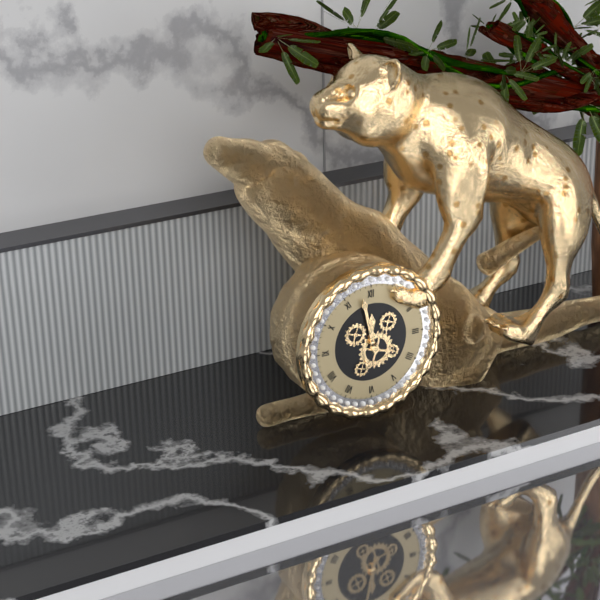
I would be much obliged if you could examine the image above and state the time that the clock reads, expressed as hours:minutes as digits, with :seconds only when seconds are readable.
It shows 11:58
